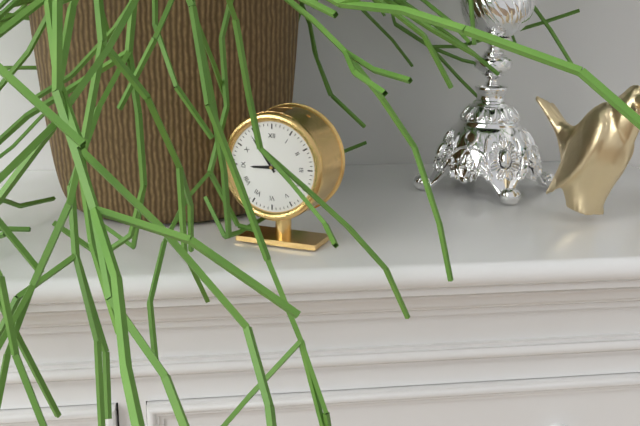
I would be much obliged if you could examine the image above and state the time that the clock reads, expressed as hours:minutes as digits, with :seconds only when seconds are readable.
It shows 8:54
